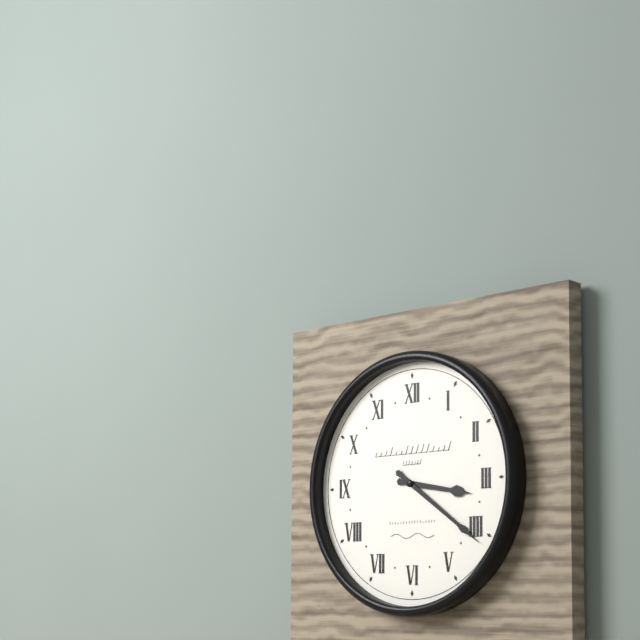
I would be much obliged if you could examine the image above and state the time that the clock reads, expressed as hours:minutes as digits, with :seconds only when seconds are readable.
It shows 3:21
